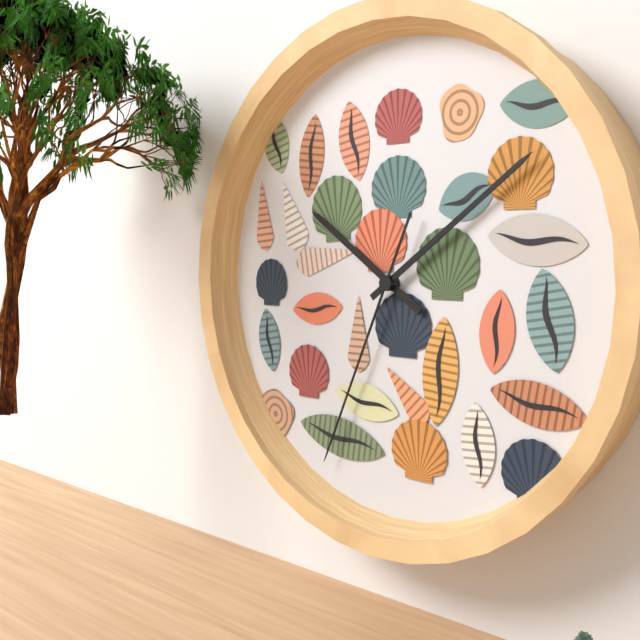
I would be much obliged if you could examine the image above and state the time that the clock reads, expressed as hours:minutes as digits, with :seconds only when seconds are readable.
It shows 10:09:34
